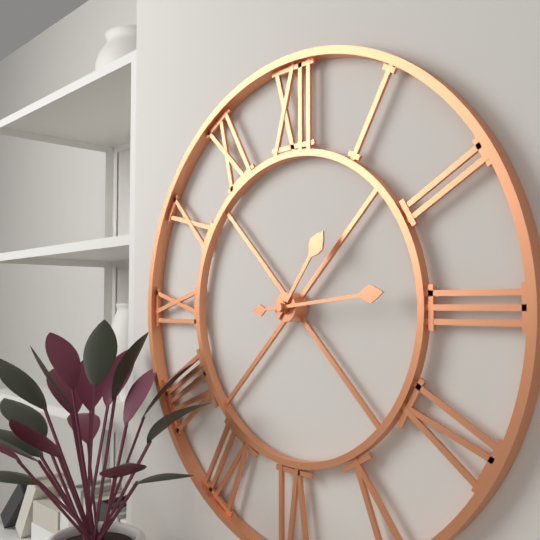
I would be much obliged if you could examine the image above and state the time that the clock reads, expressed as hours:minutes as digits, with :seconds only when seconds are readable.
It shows 1:14
